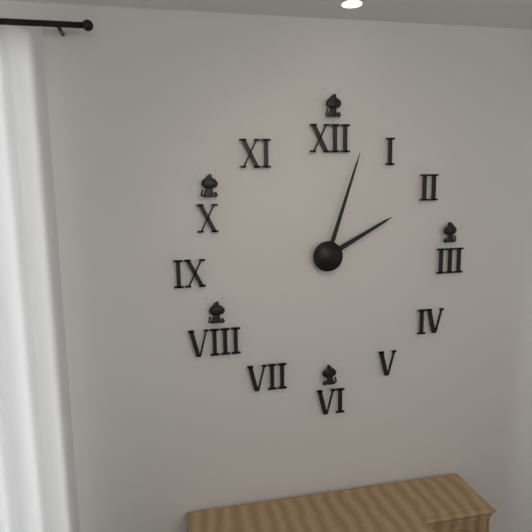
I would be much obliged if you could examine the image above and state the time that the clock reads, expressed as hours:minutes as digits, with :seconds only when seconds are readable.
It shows 2:03
